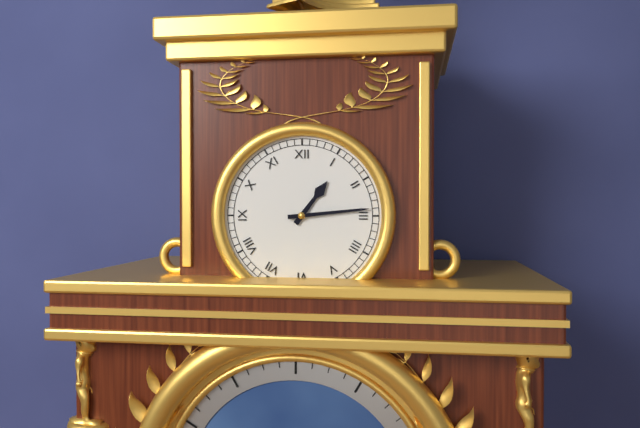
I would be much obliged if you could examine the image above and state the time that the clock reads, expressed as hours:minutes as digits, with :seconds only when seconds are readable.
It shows 1:14
